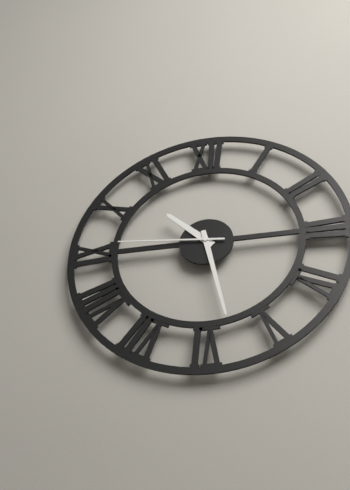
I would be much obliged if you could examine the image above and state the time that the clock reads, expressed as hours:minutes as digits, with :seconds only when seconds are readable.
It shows 10:28:46
